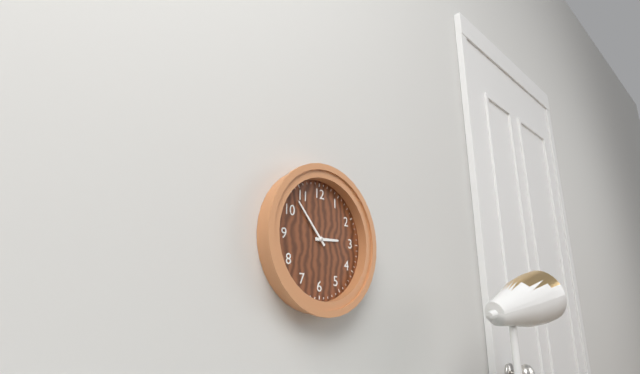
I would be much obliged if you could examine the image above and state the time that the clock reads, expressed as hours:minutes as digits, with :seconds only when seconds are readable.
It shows 2:53
